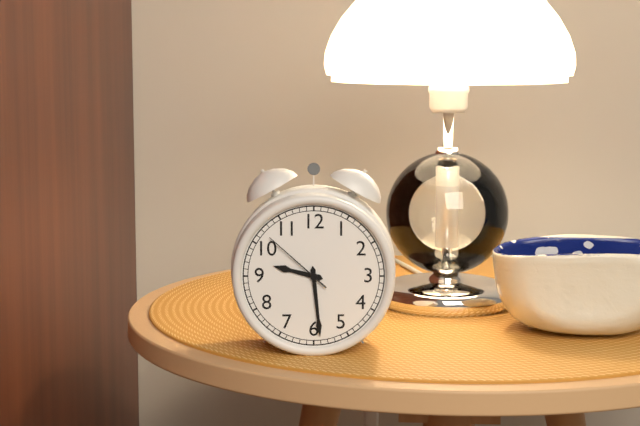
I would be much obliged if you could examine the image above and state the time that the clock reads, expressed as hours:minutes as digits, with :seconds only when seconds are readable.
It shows 9:29:52
